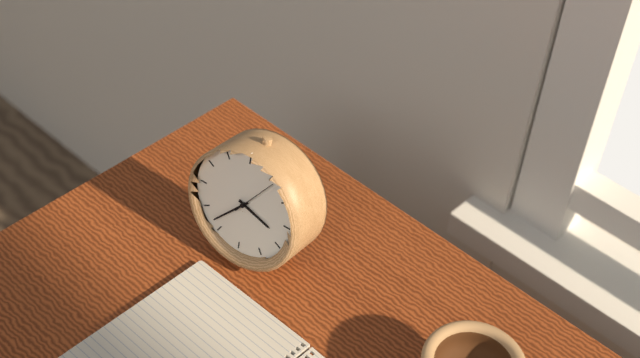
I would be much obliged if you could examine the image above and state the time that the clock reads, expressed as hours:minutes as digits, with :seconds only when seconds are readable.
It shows 3:37
